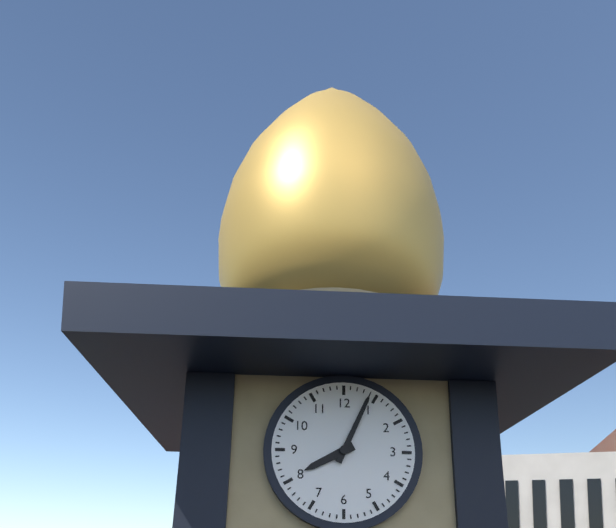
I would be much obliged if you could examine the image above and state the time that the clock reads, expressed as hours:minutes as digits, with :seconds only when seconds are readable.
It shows 8:04
